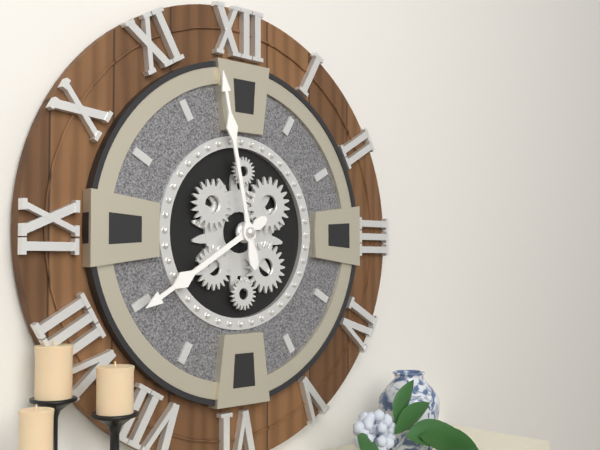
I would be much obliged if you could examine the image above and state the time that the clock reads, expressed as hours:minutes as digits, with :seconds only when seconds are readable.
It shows 7:58
